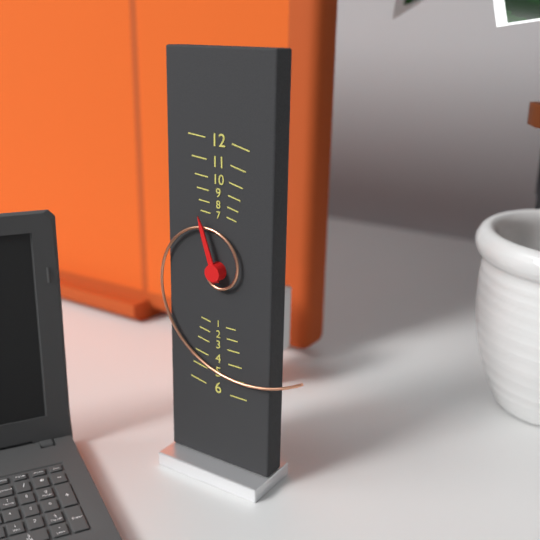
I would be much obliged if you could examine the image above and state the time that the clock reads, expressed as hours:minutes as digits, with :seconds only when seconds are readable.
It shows 11:22
